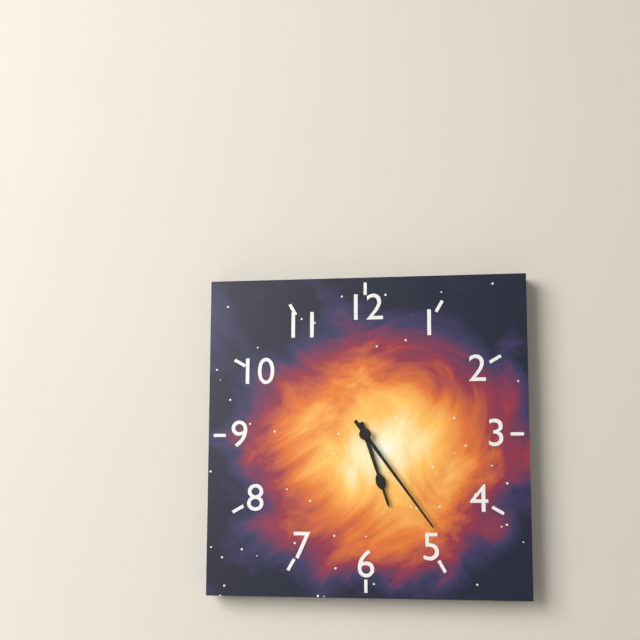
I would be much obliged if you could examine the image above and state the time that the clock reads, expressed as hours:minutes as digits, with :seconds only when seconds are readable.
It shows 5:24
